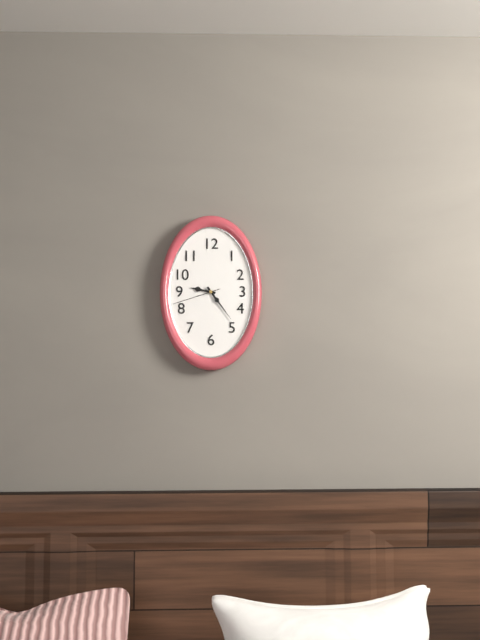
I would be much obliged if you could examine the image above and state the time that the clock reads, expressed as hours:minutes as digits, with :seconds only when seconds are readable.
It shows 9:24:42
